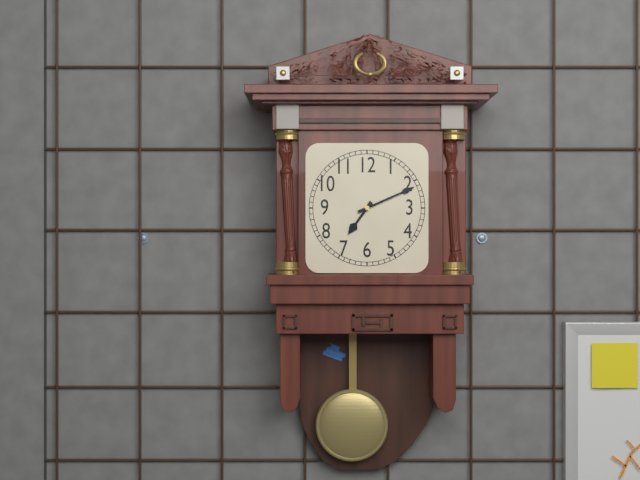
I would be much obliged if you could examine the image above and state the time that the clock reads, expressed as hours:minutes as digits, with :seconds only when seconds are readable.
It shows 7:11
